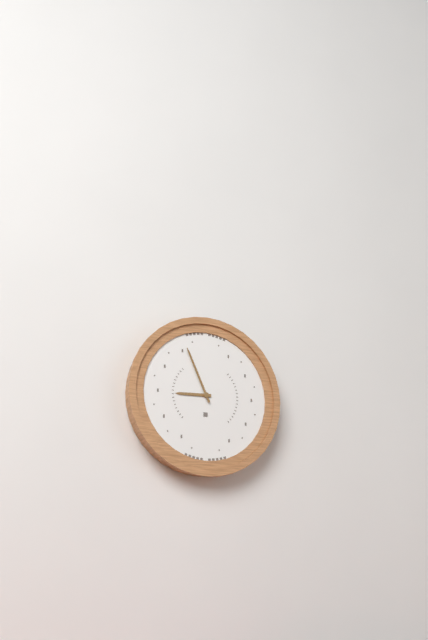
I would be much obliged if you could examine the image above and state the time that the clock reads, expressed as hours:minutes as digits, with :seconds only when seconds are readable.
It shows 8:56
